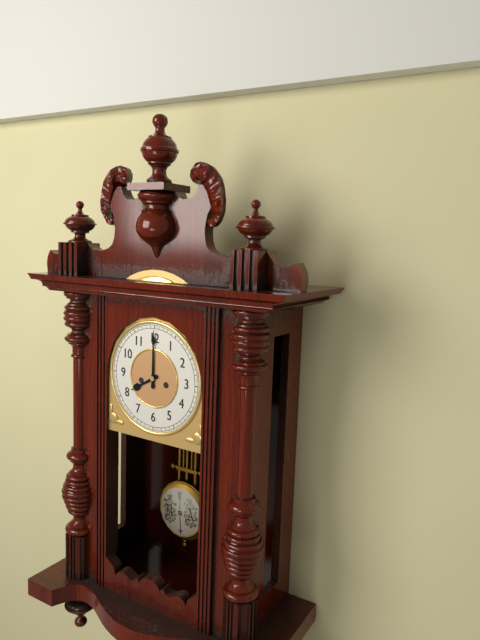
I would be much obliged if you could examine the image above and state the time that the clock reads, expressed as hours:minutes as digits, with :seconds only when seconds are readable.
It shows 8:00
